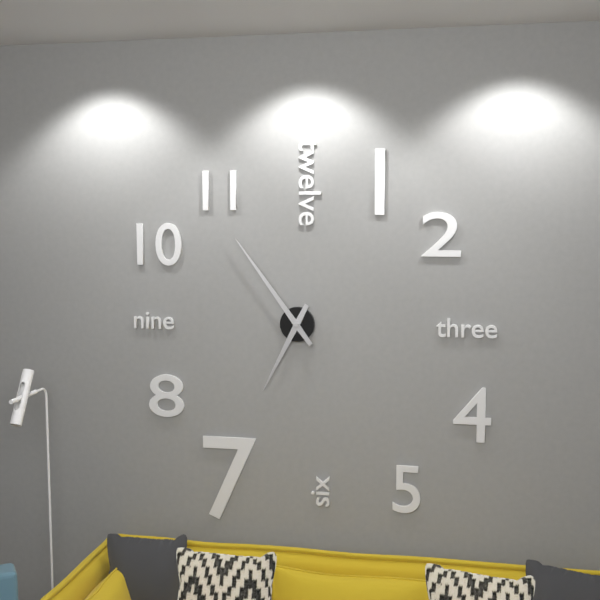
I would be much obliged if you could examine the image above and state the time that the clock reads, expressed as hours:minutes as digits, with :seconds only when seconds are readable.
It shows 6:54
